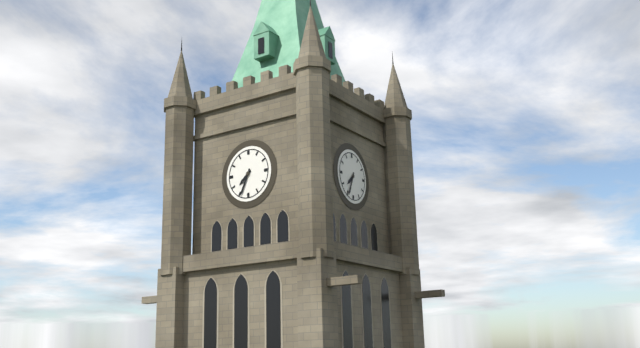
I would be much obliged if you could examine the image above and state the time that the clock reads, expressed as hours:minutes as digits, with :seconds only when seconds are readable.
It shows 7:34
